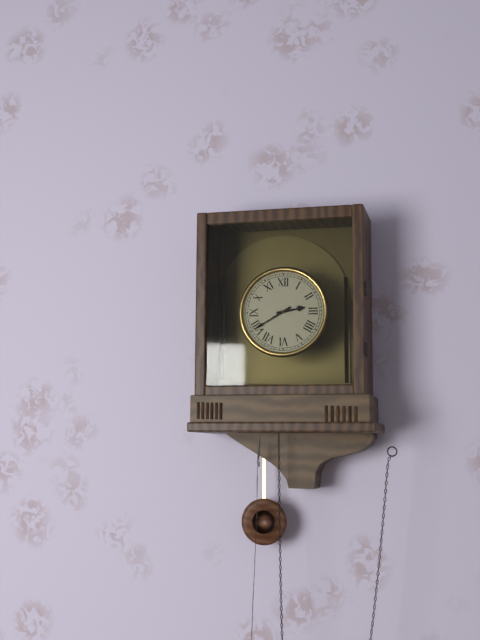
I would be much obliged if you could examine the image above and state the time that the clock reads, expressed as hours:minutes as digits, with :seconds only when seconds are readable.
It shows 2:40
